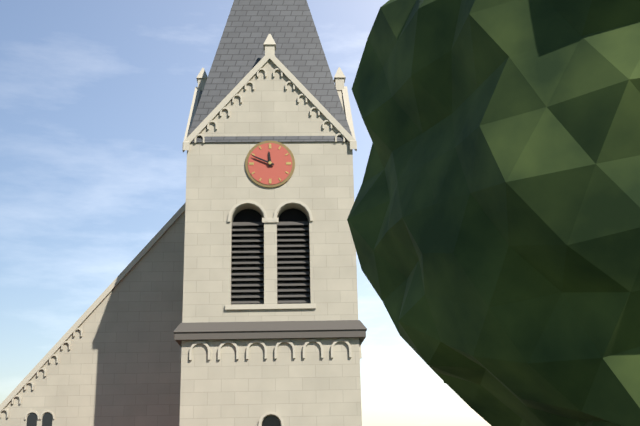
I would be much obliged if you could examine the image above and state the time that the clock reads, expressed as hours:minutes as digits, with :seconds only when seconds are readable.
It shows 11:49
